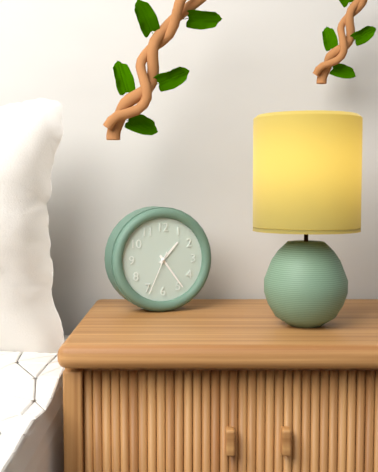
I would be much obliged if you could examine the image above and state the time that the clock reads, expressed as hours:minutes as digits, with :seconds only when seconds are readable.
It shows 1:24
